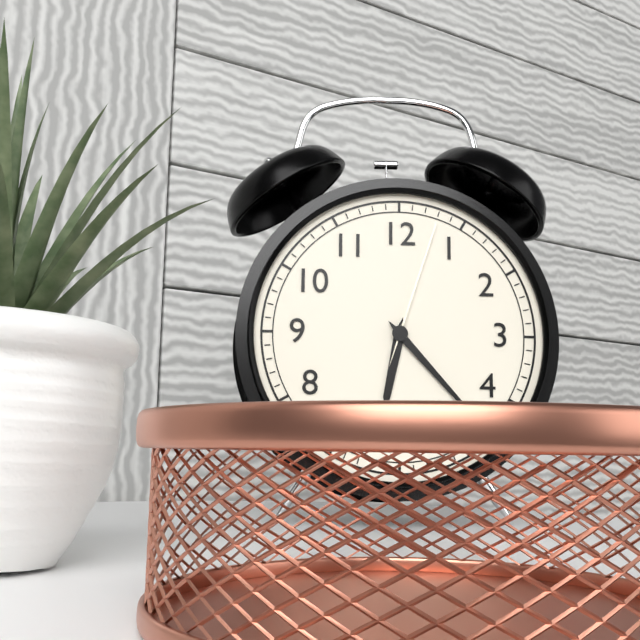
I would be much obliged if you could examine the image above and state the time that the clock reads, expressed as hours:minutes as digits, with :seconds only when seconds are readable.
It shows 6:23:03
